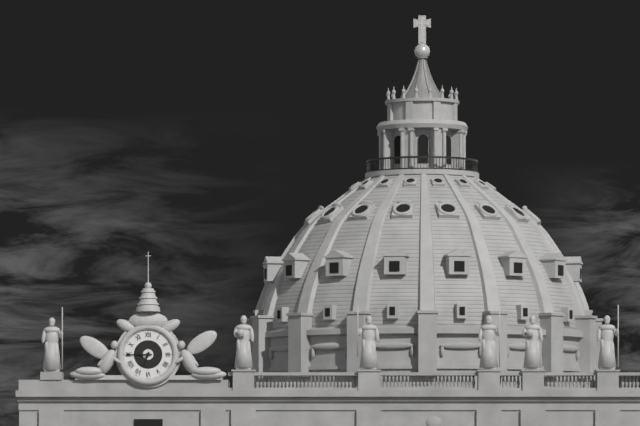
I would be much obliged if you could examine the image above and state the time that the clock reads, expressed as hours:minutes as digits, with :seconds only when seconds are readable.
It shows 6:45
